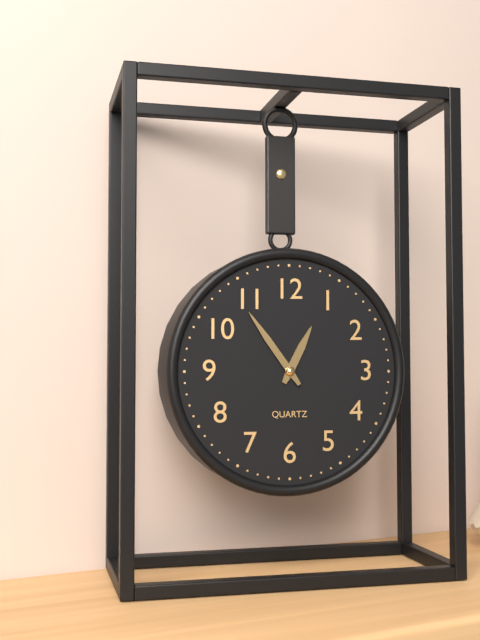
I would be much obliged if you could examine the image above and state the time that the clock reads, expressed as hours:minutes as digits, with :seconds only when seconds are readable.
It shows 12:54
